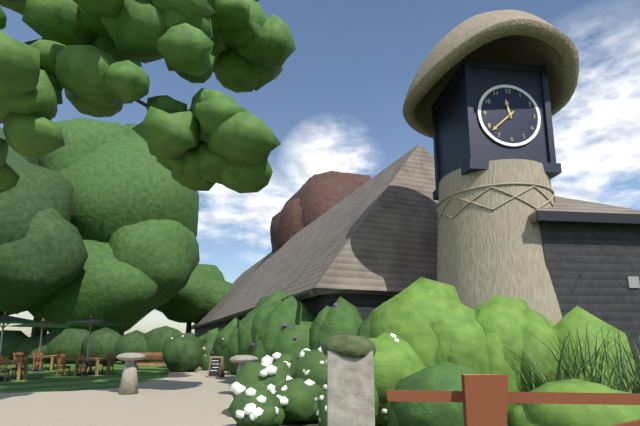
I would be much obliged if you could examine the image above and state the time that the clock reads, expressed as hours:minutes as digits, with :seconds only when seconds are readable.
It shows 11:38
